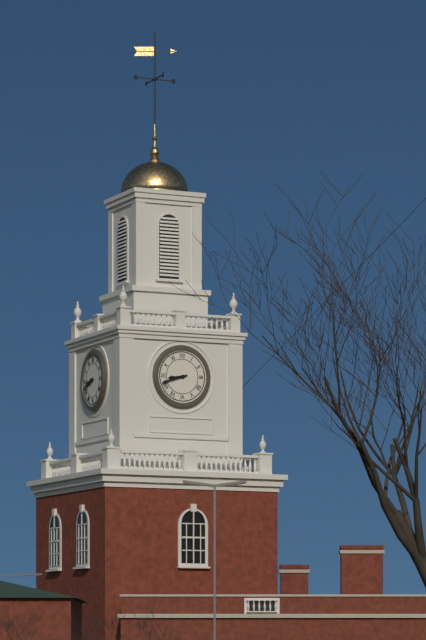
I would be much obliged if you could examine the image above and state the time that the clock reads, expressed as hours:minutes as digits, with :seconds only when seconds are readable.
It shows 8:42
